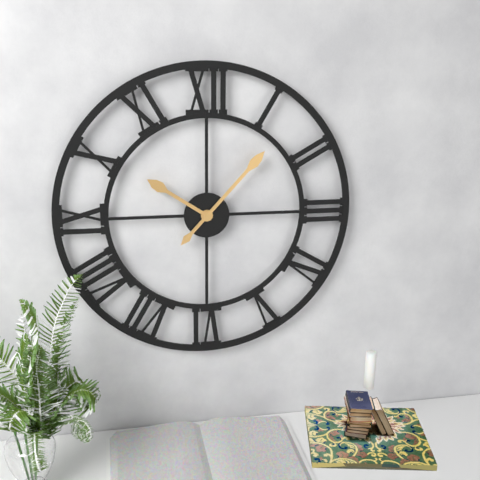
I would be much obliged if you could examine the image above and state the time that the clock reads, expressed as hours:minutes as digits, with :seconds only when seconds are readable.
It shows 10:07
